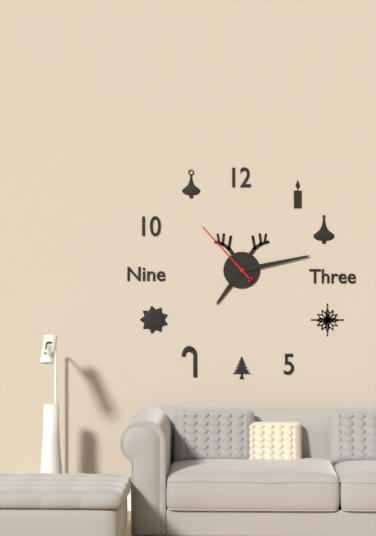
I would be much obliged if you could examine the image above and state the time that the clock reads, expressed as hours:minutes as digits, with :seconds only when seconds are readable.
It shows 7:13:53
